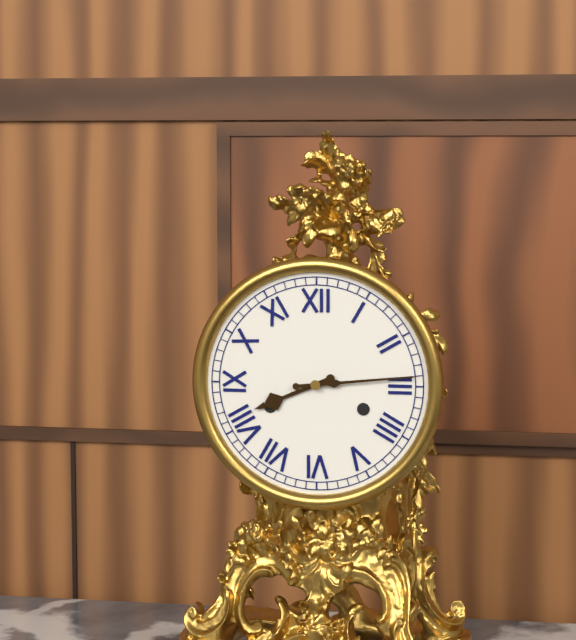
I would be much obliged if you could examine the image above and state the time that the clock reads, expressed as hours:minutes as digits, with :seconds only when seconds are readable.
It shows 8:14
